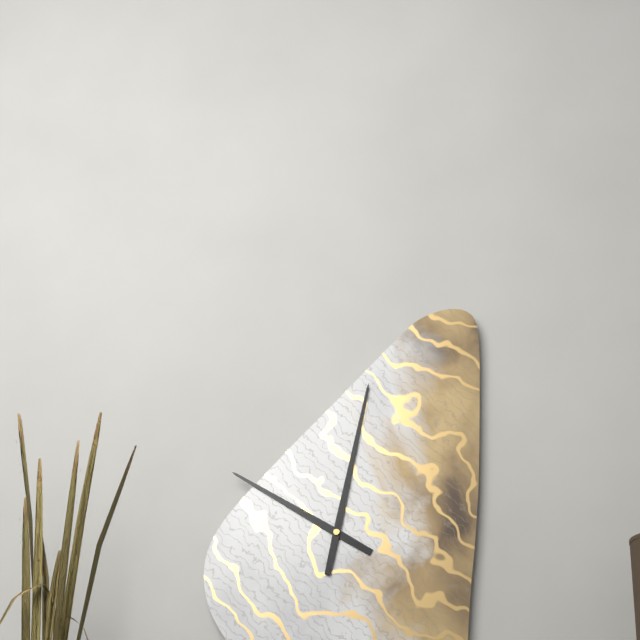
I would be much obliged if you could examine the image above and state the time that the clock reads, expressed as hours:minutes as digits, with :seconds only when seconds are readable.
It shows 10:02
